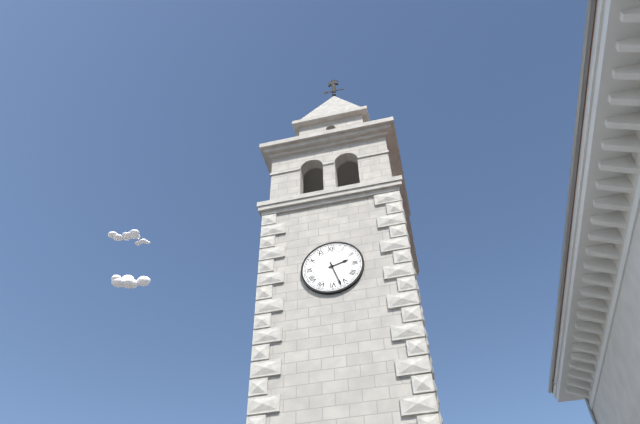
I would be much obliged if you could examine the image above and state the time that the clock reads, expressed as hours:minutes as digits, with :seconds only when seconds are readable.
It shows 2:27
